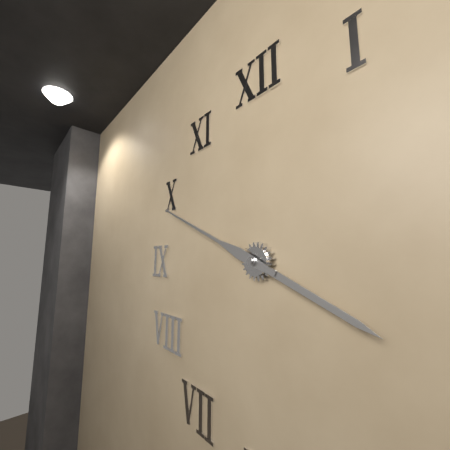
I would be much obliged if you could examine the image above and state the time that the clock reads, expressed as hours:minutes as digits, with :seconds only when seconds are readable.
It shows 3:49
